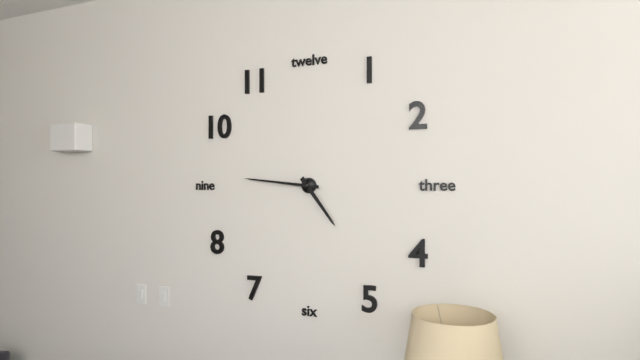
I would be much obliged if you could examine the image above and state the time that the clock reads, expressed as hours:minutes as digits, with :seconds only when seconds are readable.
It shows 4:46
